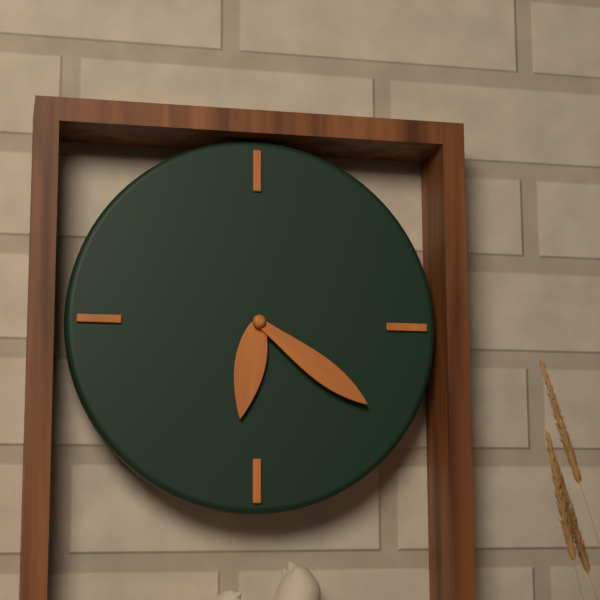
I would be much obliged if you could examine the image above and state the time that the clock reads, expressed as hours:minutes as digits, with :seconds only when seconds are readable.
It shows 6:21
